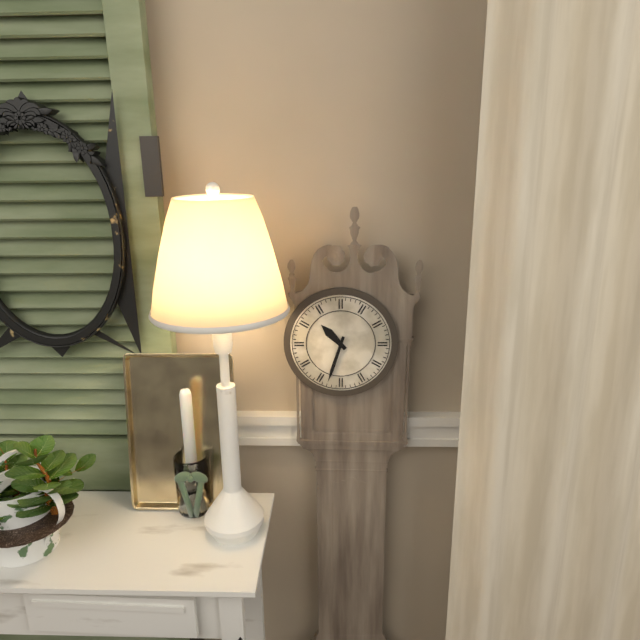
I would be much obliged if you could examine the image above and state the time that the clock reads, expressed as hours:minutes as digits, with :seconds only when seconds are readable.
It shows 10:33
